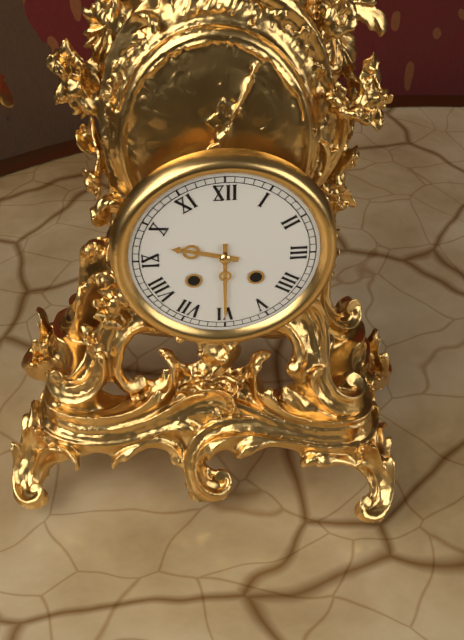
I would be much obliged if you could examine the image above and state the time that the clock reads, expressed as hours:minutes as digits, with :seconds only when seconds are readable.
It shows 9:30
